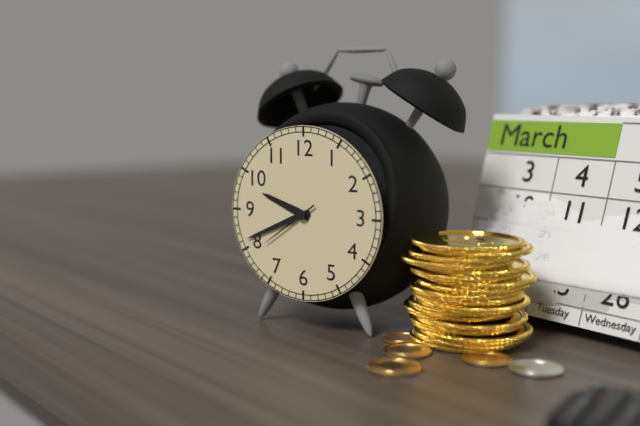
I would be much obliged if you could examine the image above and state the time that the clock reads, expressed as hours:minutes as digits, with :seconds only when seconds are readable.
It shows 9:41:39
